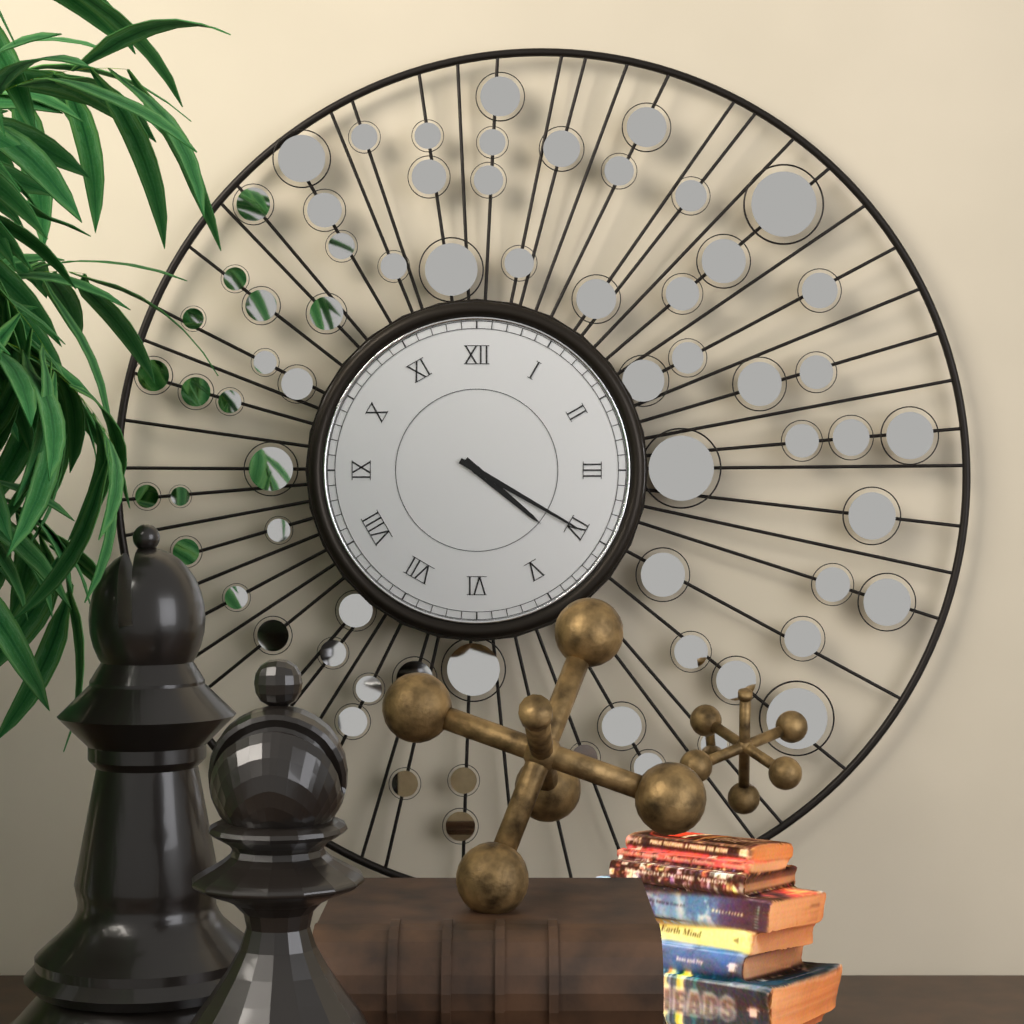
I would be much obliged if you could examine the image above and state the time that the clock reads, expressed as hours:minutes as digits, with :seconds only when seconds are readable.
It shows 4:20
